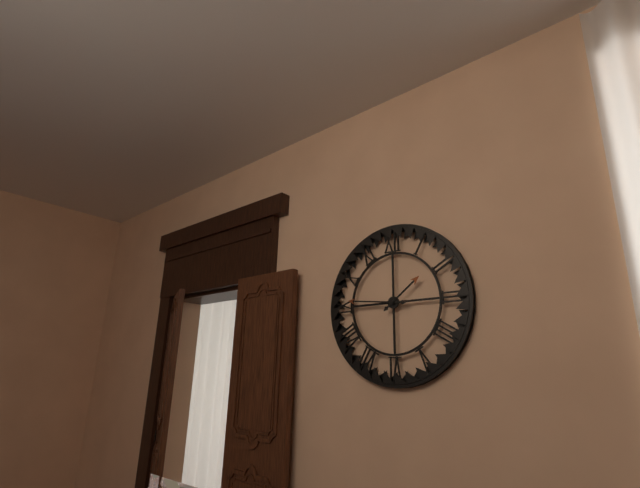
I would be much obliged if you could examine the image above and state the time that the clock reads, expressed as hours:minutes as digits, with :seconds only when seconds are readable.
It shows 1:46
